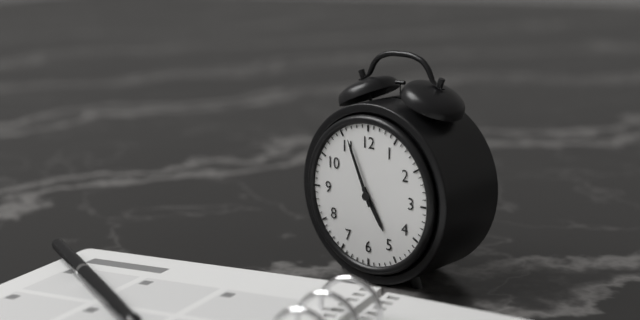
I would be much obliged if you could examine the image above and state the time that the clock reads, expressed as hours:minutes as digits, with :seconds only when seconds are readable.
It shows 4:56
